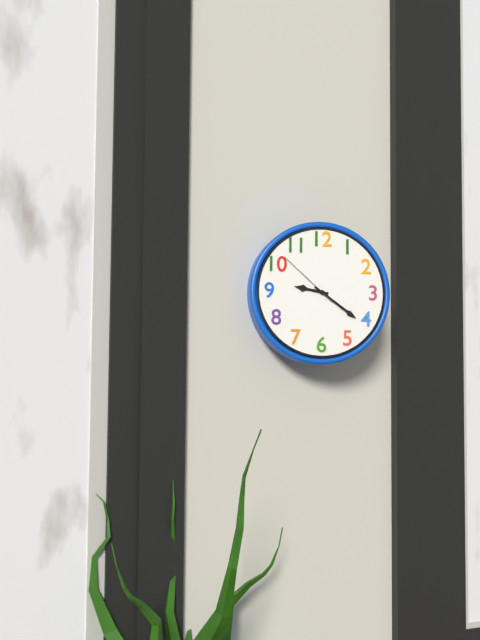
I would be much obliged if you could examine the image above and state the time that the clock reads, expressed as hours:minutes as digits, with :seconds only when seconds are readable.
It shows 9:21:52
